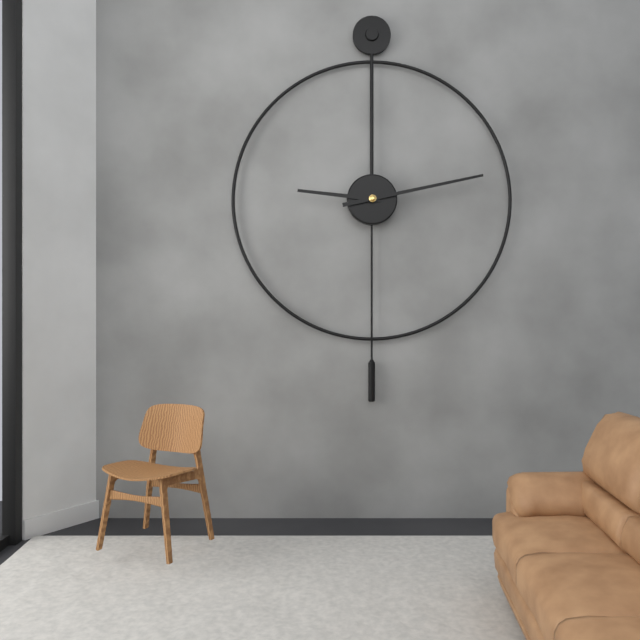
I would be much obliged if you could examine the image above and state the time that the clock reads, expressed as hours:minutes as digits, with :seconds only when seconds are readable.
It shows 9:13
